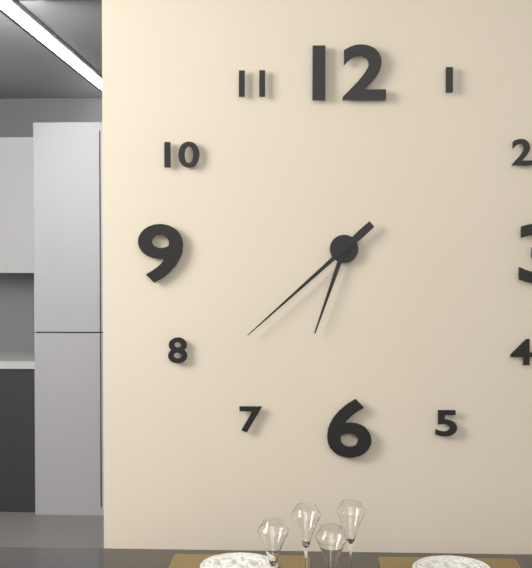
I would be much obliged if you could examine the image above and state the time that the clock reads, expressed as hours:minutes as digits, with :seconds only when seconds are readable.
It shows 6:38
